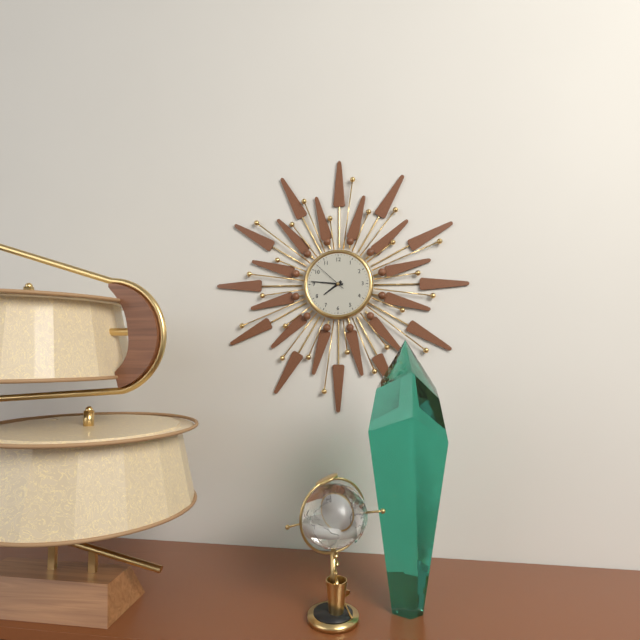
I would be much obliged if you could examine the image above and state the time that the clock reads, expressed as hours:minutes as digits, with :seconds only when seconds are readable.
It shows 7:46
